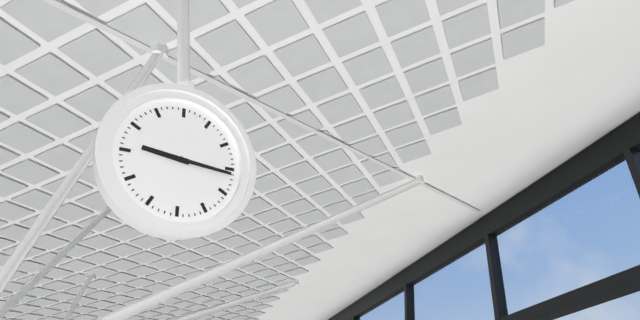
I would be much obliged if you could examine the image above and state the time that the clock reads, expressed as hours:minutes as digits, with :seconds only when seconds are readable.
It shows 9:16
